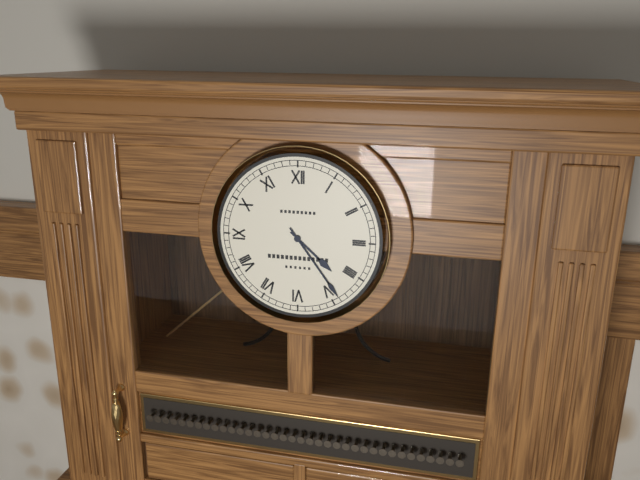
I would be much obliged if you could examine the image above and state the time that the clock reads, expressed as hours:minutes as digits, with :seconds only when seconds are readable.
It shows 4:24
